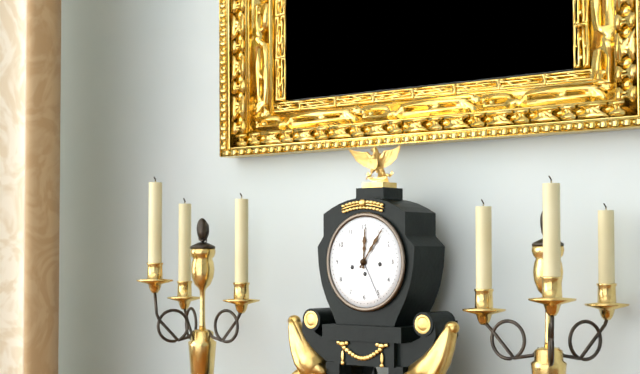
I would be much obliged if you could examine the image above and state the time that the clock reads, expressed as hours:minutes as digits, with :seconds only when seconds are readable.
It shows 12:06
